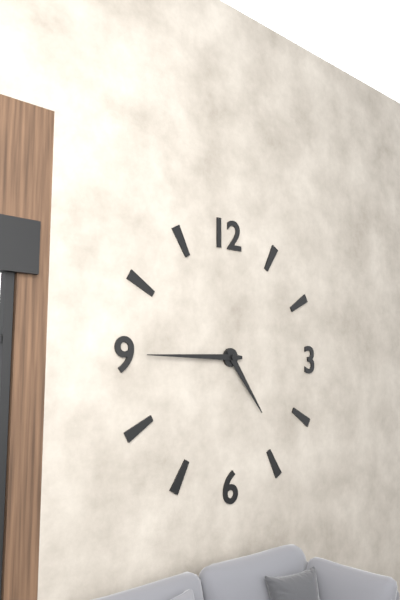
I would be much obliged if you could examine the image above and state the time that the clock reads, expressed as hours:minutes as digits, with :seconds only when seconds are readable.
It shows 4:45
